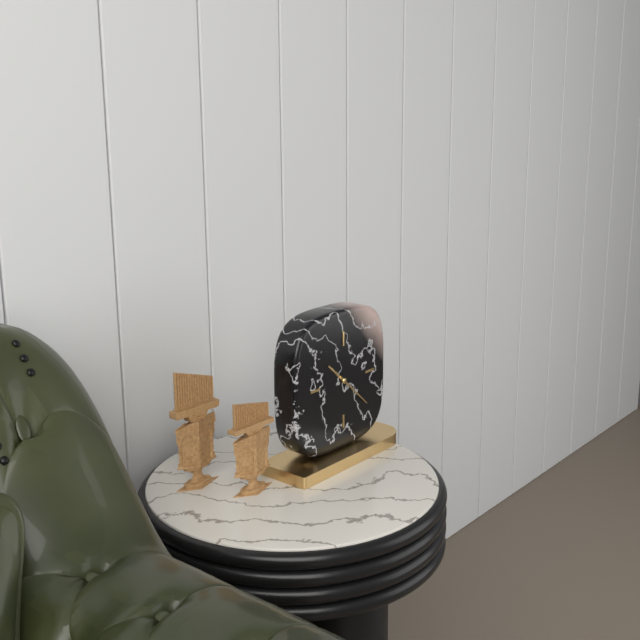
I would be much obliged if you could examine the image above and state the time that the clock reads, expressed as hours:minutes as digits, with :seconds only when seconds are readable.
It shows 10:22
